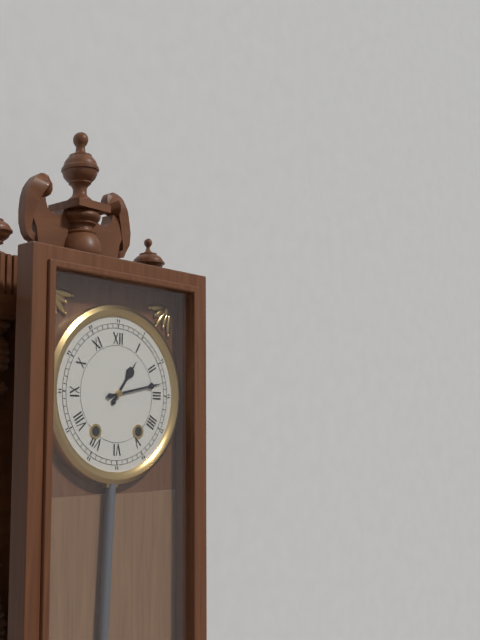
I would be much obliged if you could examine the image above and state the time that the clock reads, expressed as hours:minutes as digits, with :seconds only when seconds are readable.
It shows 1:13
